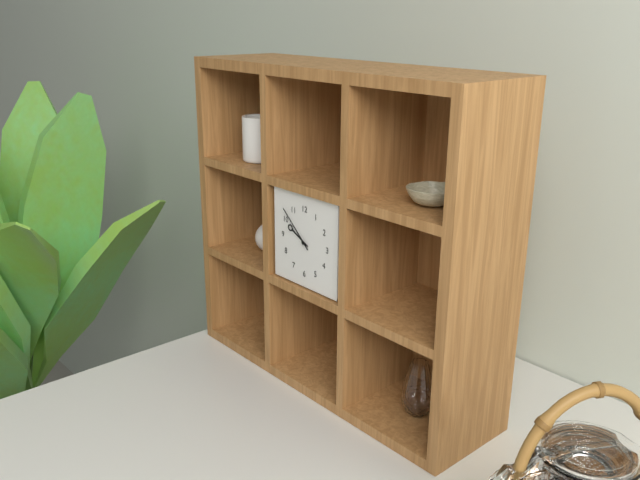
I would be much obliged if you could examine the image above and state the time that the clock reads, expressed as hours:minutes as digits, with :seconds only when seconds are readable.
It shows 9:52
